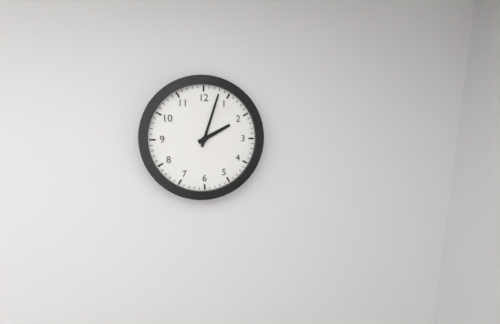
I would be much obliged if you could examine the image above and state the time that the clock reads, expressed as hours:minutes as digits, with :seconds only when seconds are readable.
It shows 2:03
